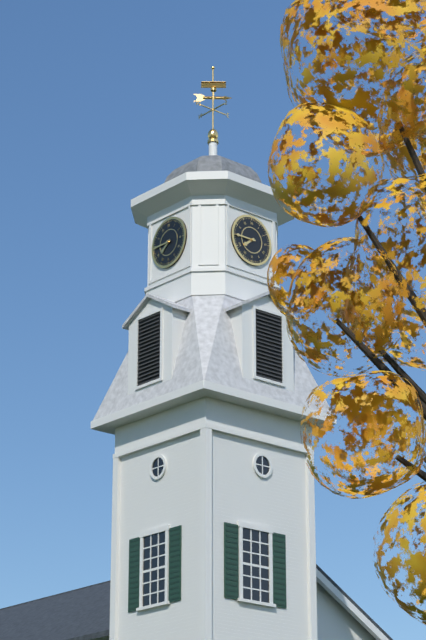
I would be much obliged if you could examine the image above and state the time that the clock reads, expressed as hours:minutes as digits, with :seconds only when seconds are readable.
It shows 7:45
